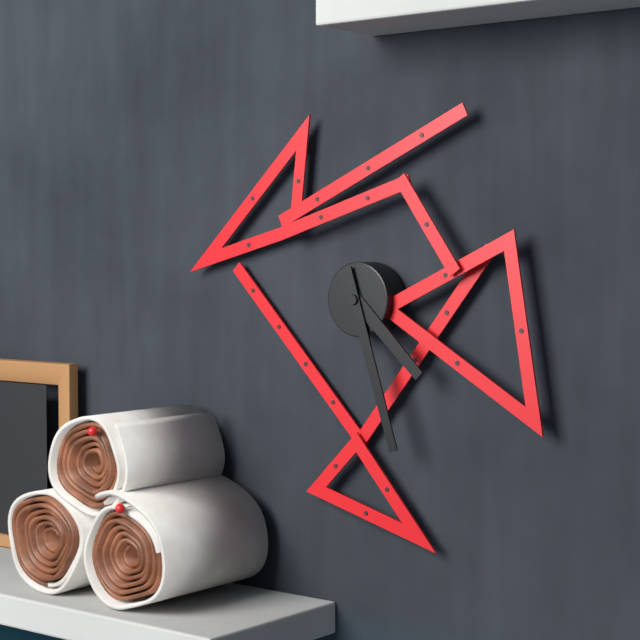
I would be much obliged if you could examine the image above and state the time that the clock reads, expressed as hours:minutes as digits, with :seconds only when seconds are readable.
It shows 4:27
